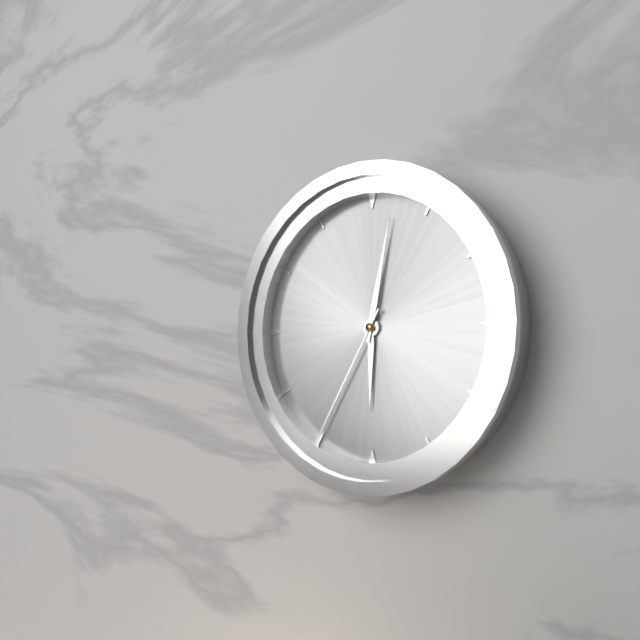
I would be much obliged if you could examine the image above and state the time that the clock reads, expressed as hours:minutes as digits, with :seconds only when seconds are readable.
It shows 6:02:35
